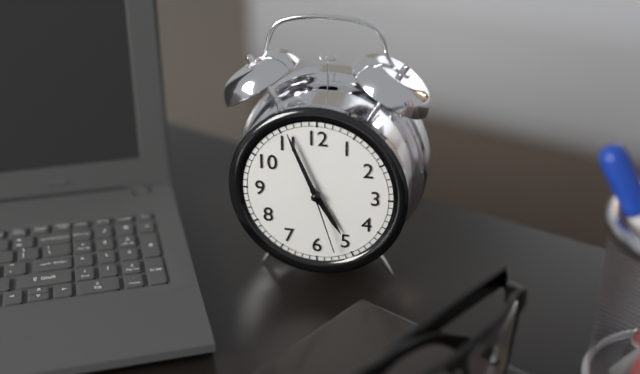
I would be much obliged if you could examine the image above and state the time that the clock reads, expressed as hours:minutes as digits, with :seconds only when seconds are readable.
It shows 4:56:27
